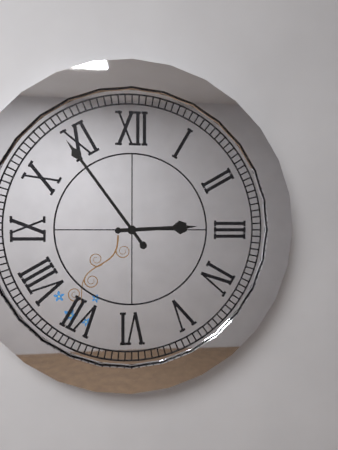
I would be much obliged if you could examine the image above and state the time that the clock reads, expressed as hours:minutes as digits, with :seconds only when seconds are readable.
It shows 2:54
